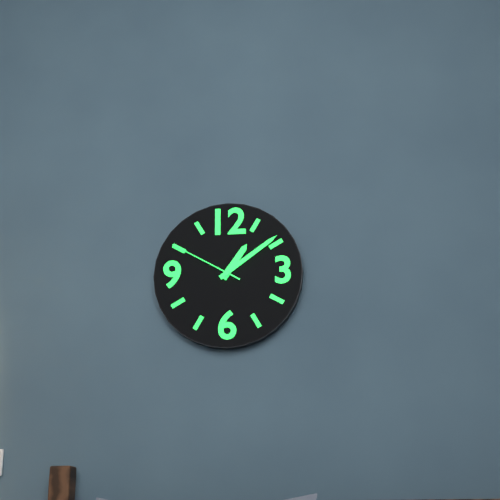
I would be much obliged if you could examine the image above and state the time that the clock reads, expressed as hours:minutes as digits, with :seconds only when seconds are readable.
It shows 1:09:50
